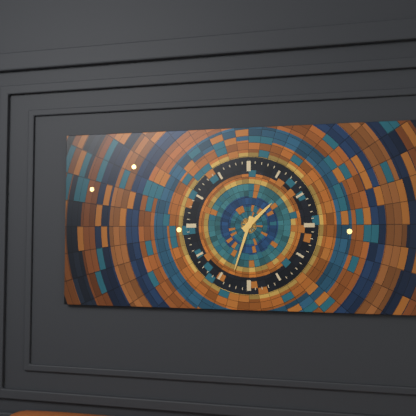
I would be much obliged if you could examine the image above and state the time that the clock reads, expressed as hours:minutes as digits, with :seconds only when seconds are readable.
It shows 1:33
